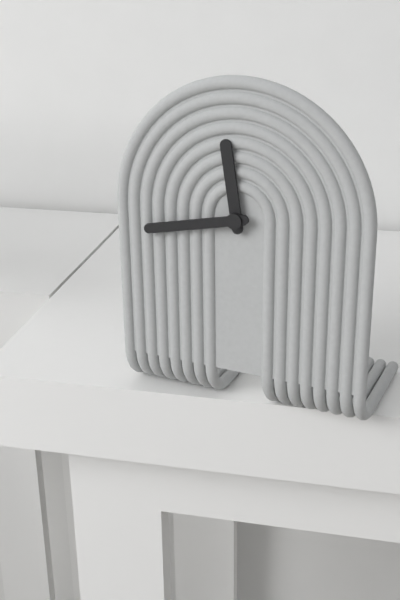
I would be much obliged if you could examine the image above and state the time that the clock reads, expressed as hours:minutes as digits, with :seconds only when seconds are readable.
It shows 11:43
